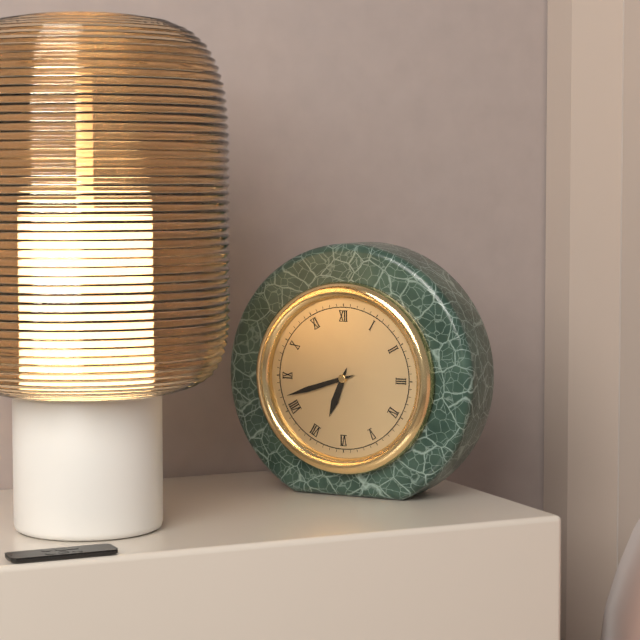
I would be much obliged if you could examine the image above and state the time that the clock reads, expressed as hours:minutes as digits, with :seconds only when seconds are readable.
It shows 6:42
